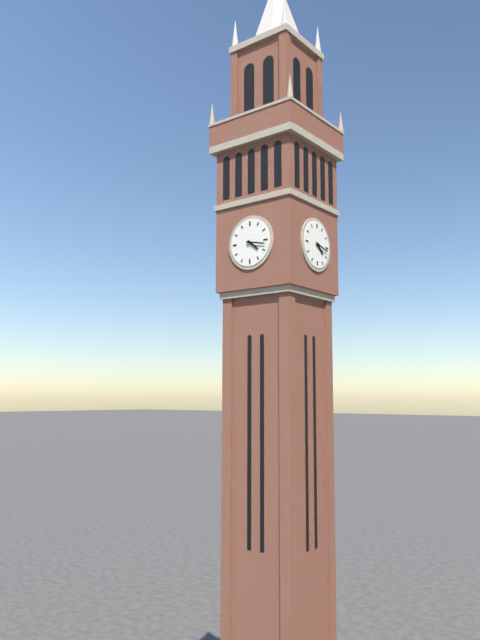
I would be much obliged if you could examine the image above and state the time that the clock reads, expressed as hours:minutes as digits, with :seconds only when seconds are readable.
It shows 4:17
